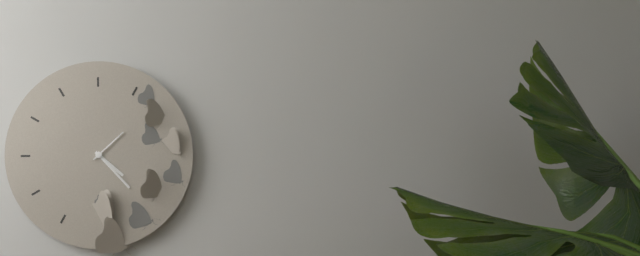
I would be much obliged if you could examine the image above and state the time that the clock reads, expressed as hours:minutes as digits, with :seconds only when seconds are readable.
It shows 4:23
